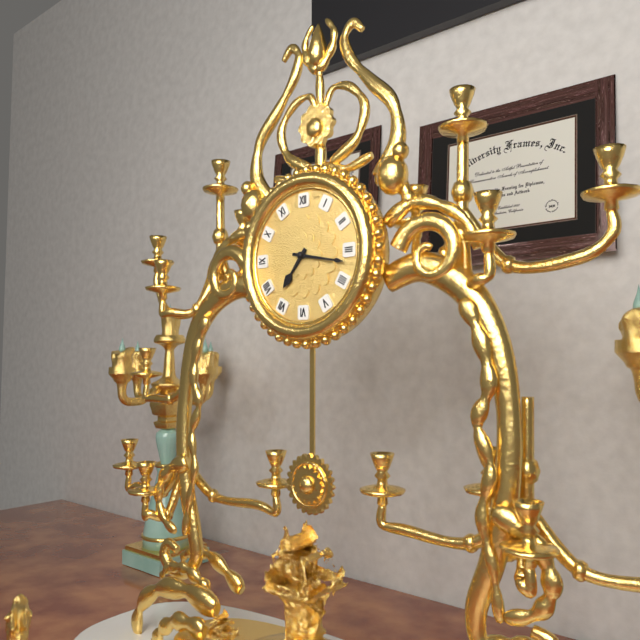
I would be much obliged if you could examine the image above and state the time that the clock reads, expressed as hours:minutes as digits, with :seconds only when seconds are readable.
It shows 7:17
